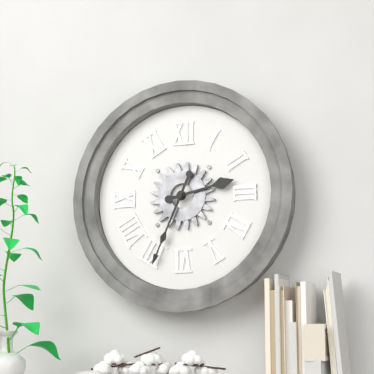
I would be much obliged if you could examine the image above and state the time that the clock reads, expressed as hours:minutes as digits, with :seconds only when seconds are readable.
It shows 2:34
